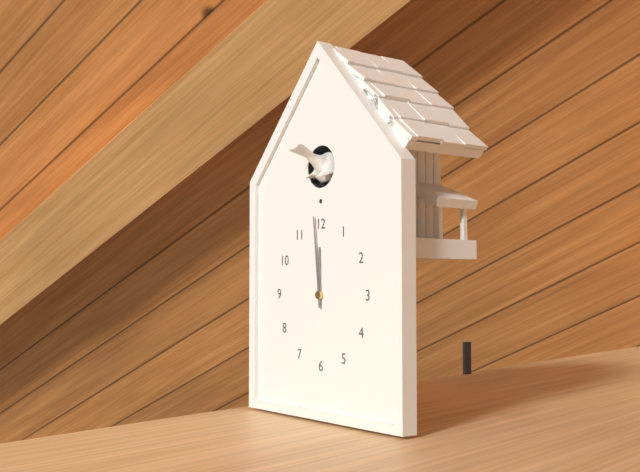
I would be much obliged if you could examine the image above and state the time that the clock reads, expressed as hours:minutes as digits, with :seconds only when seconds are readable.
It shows 11:59
